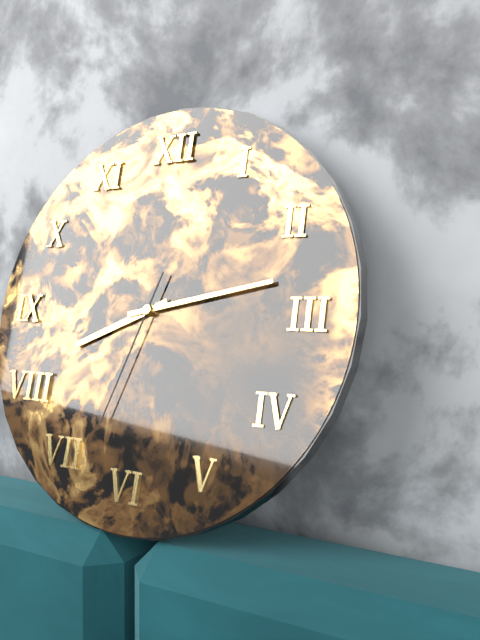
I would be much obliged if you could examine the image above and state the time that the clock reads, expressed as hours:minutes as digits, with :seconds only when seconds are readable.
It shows 8:13:33
